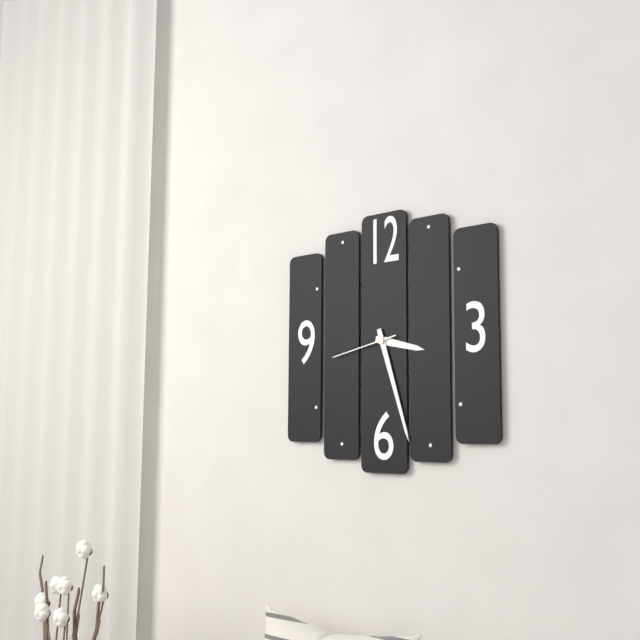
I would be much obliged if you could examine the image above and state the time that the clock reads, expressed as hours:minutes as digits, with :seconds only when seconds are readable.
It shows 3:27:43
